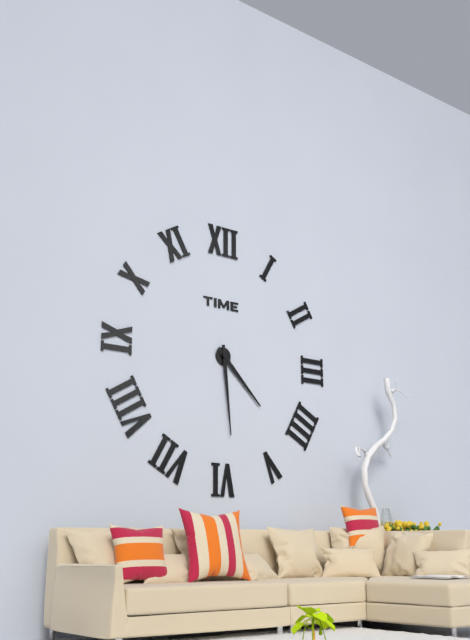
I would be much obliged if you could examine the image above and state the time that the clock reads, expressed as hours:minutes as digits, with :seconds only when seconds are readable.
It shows 4:29
